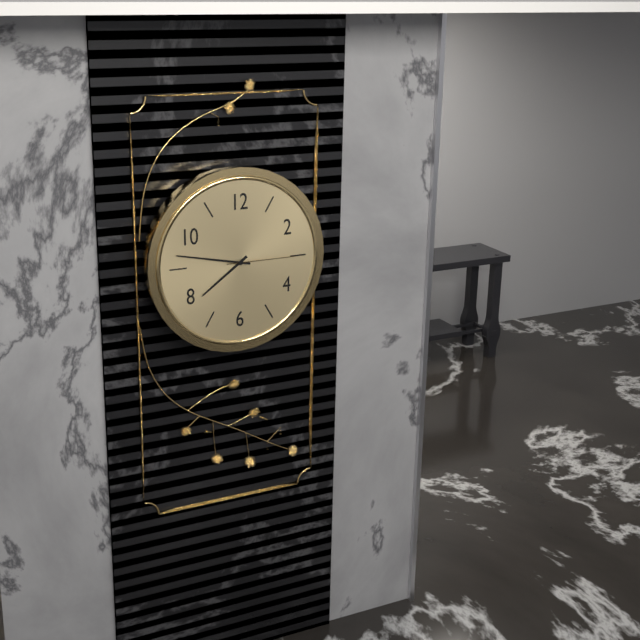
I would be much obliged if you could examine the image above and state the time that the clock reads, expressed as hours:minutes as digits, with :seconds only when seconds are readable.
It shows 7:47:15
